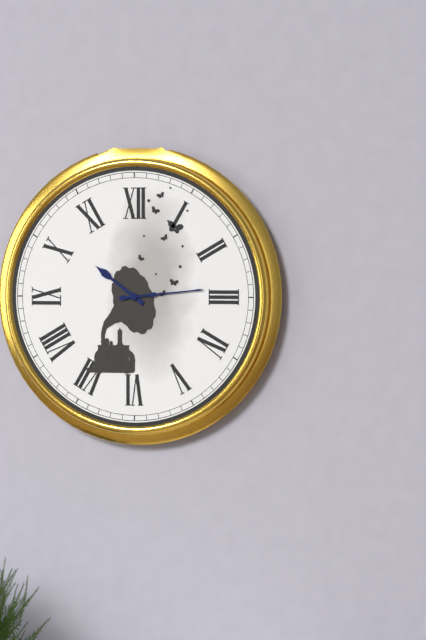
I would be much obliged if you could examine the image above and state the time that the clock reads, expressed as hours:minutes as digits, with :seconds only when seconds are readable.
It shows 10:14
